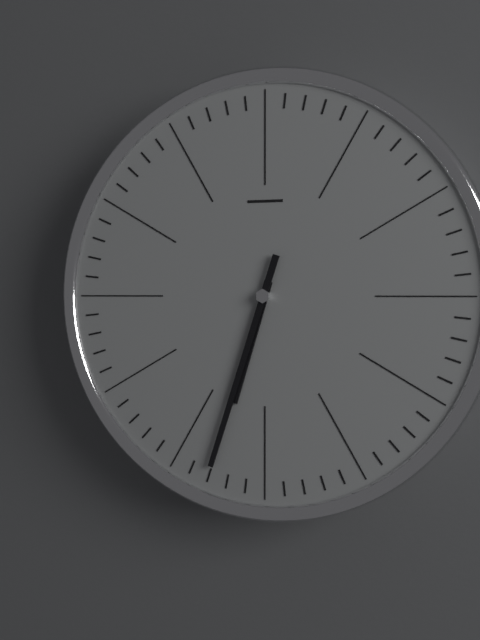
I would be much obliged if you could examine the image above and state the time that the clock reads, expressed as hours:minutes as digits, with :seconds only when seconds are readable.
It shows 6:33
